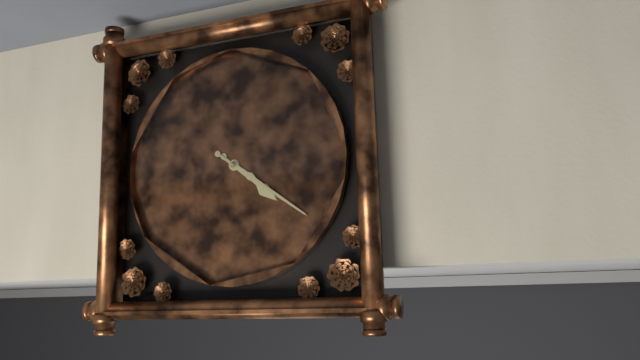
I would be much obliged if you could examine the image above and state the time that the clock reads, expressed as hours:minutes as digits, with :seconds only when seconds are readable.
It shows 4:21
